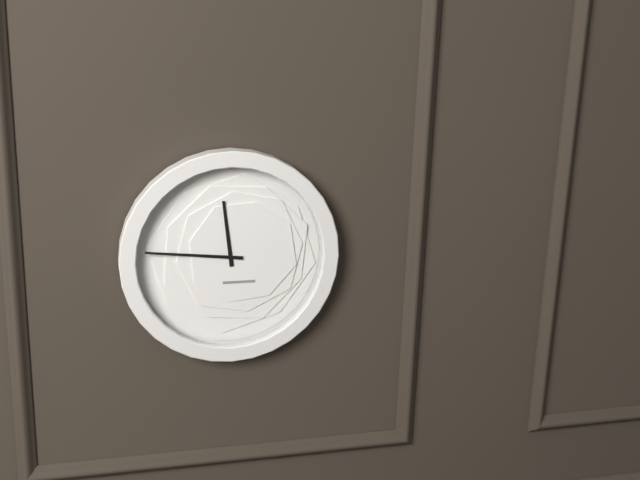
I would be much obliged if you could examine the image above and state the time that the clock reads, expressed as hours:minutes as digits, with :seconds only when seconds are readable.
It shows 11:46
